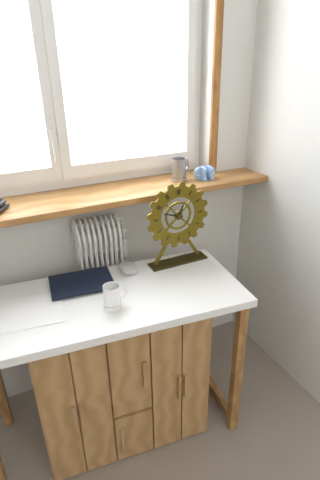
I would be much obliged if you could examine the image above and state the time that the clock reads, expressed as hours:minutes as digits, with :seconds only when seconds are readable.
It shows 12:48
